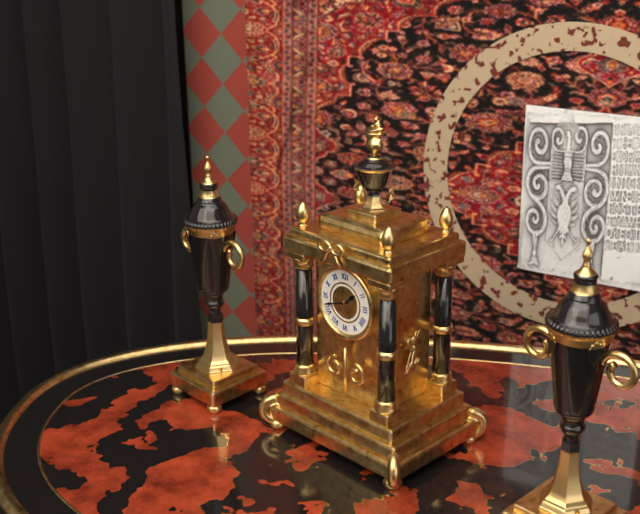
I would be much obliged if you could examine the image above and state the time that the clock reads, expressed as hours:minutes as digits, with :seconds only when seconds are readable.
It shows 1:42
